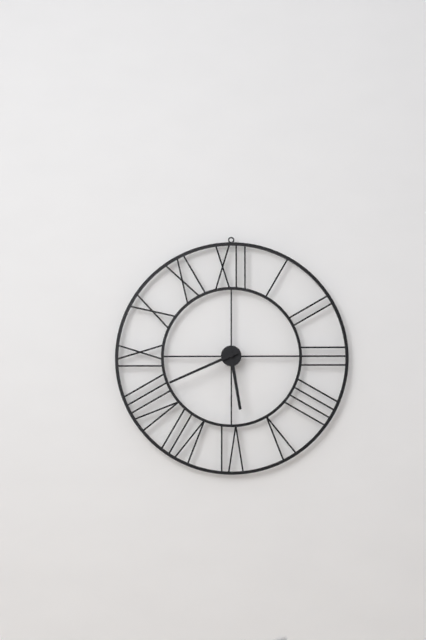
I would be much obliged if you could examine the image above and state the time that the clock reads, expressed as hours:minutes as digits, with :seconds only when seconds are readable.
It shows 5:41
